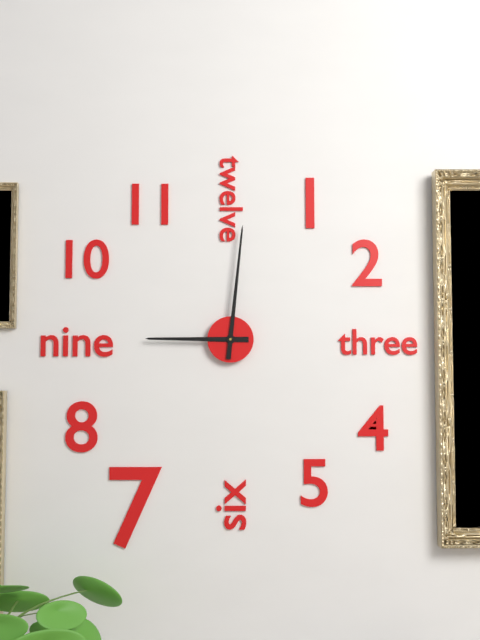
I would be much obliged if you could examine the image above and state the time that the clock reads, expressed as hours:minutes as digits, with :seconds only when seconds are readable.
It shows 9:01
